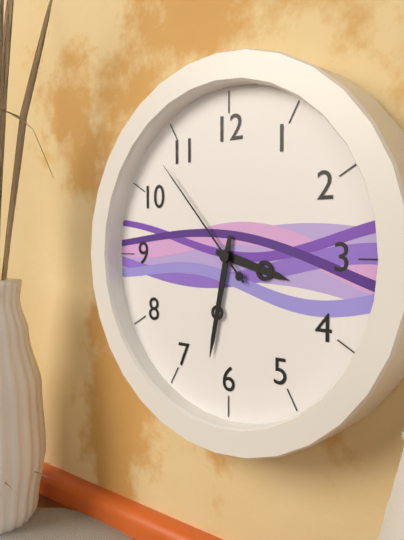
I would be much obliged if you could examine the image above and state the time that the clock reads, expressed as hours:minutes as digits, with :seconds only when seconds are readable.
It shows 3:32:53
